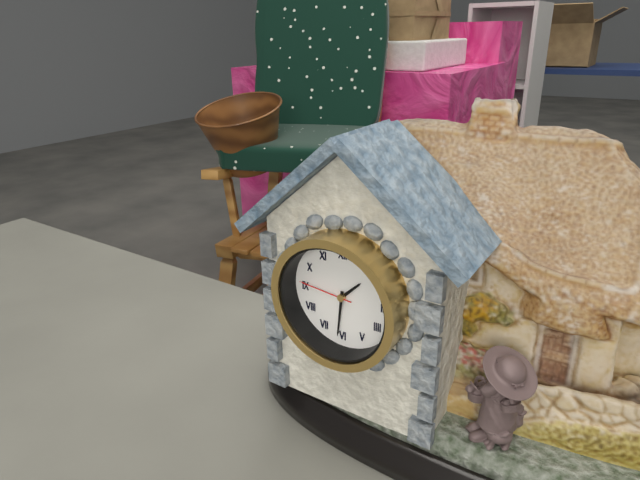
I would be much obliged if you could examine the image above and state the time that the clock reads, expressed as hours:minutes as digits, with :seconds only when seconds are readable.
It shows 1:31:46
